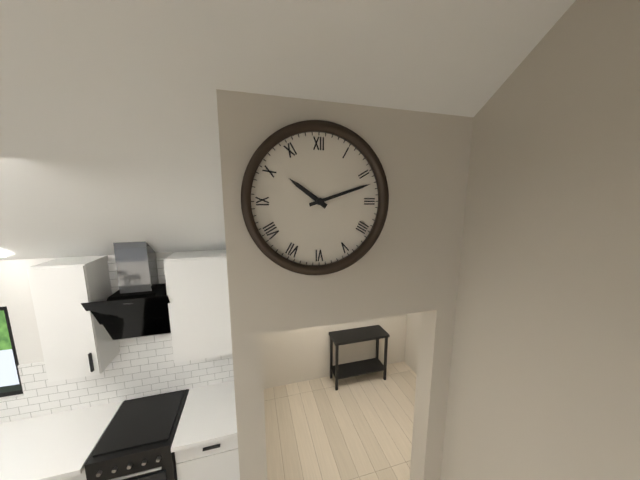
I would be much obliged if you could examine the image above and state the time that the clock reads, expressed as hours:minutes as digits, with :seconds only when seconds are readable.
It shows 10:12
